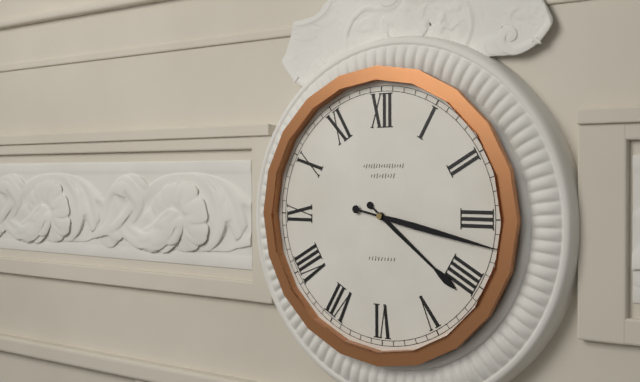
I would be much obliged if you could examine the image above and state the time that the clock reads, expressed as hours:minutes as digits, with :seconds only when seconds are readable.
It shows 4:17
